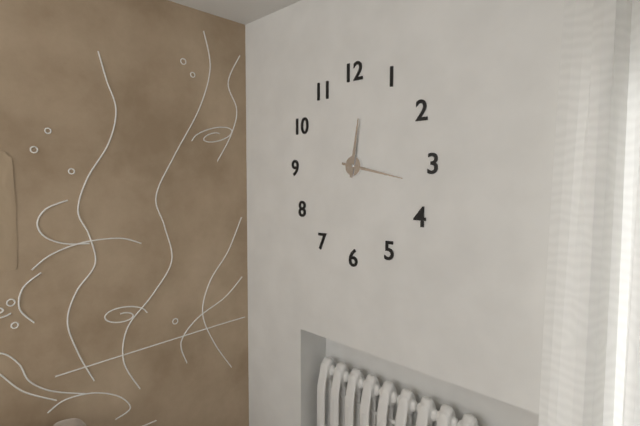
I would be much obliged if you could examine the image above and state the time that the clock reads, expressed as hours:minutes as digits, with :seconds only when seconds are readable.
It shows 12:17
